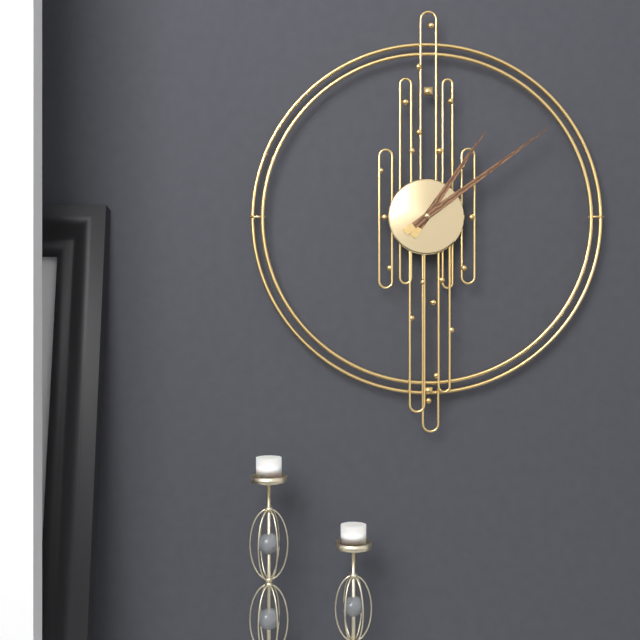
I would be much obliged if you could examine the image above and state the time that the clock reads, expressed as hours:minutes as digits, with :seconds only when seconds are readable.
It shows 1:09
